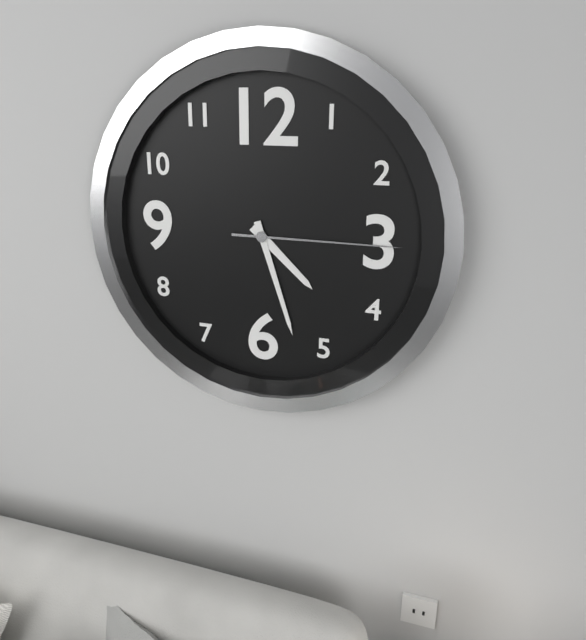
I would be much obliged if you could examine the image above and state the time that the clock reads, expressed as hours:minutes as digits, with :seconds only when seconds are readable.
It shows 4:27:15
